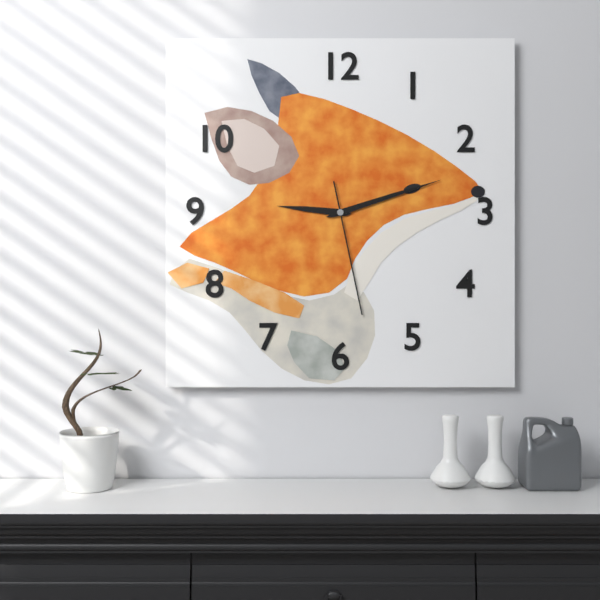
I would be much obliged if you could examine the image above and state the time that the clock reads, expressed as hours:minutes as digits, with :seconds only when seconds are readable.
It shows 9:12:28
